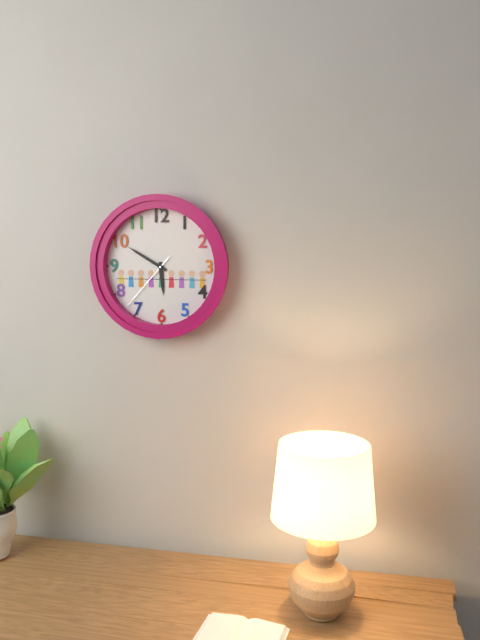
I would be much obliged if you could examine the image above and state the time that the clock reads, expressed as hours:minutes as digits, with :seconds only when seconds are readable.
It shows 5:50:37
